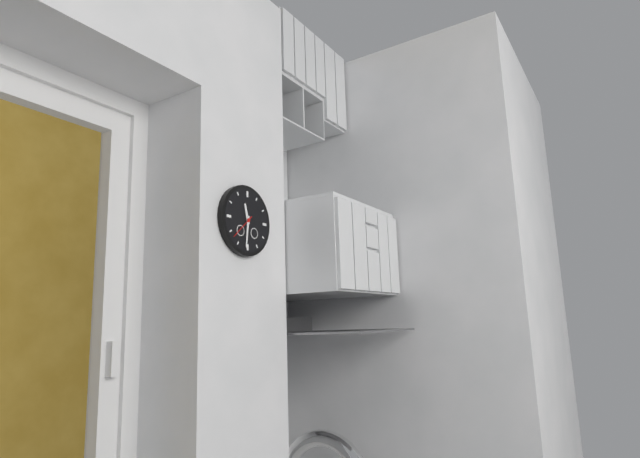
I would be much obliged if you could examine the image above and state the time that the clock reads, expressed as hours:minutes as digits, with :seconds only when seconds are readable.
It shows 11:31
